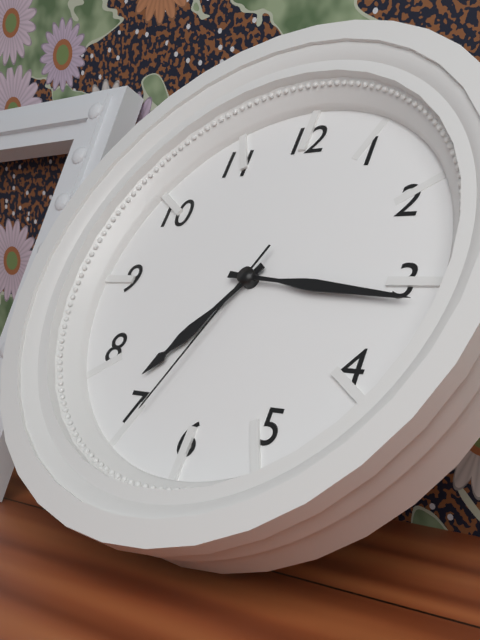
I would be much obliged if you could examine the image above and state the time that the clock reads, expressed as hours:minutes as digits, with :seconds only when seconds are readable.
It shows 7:16:34
